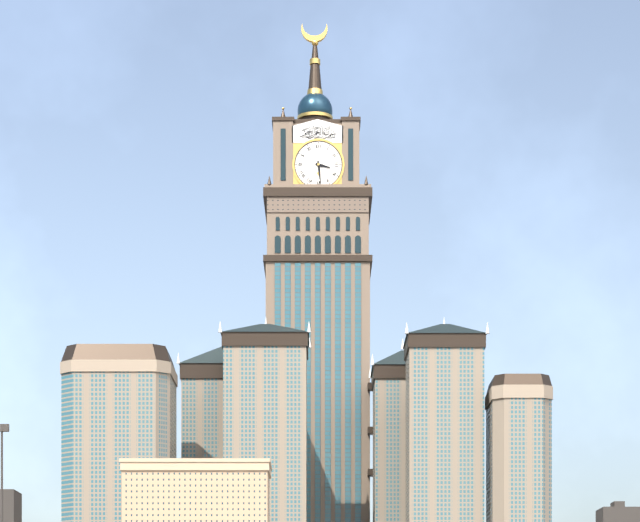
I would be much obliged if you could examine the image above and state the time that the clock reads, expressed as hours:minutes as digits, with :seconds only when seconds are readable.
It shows 3:29
